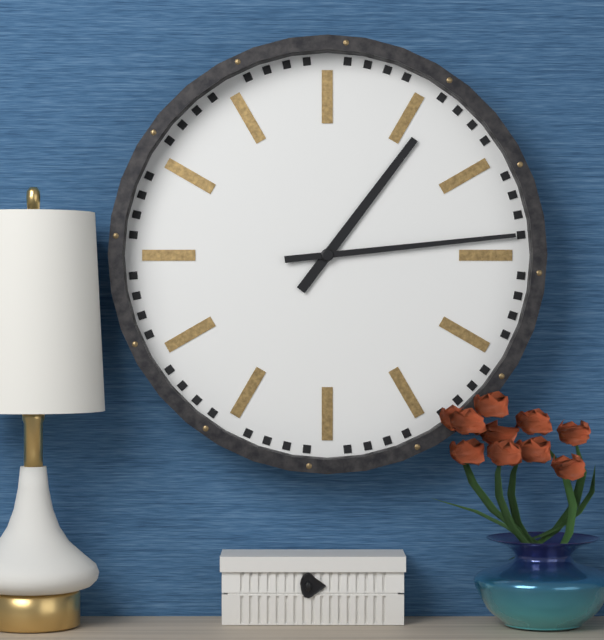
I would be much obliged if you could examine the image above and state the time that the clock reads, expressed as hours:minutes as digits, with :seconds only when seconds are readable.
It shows 1:14
